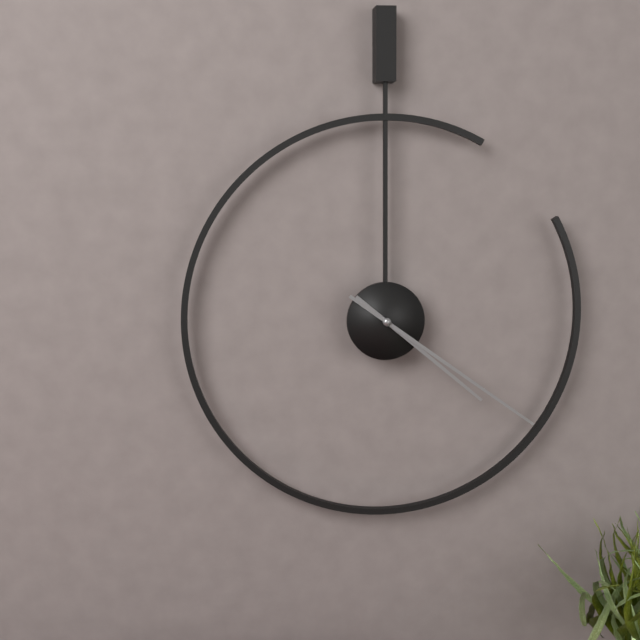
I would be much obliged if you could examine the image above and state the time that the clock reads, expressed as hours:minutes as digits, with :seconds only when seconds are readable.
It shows 4:21
